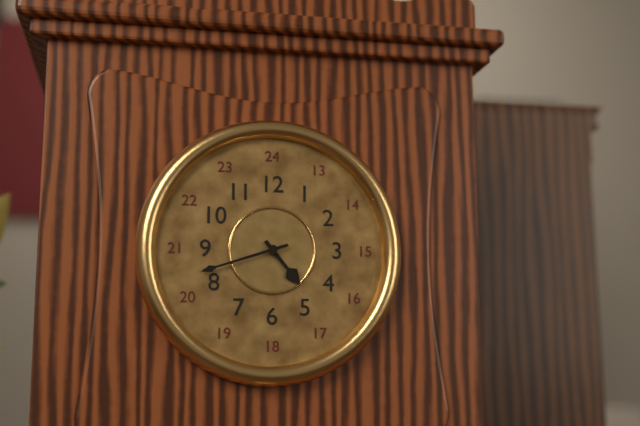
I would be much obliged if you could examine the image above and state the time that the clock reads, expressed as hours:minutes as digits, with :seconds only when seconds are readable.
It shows 4:42
